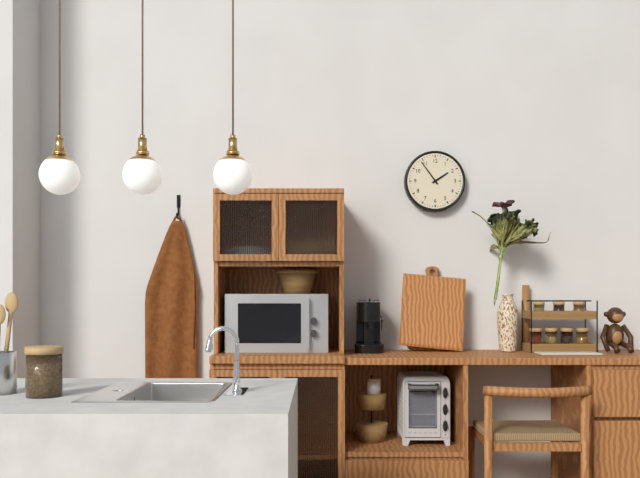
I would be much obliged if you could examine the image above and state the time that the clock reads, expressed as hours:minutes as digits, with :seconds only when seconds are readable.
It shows 1:54
